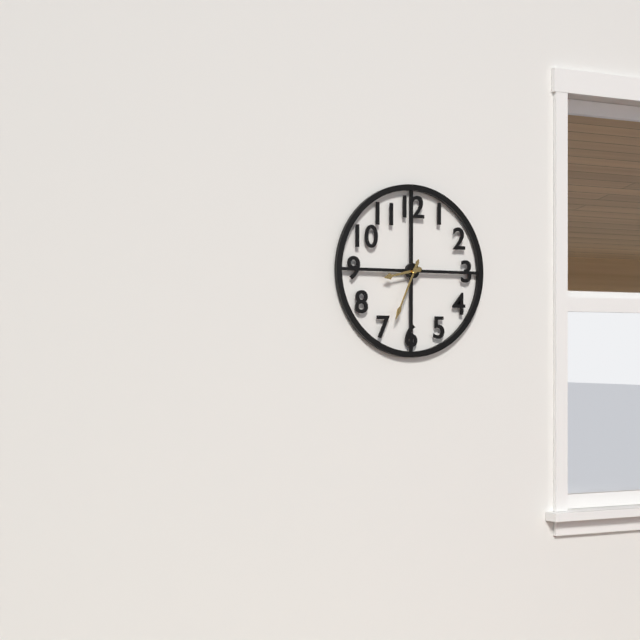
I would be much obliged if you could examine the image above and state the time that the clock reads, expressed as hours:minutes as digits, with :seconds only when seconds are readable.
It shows 8:34
